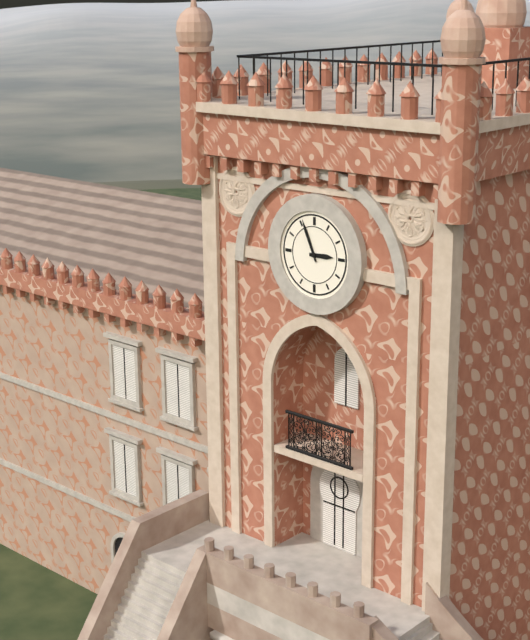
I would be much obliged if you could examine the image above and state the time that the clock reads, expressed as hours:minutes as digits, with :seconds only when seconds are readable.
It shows 2:56
